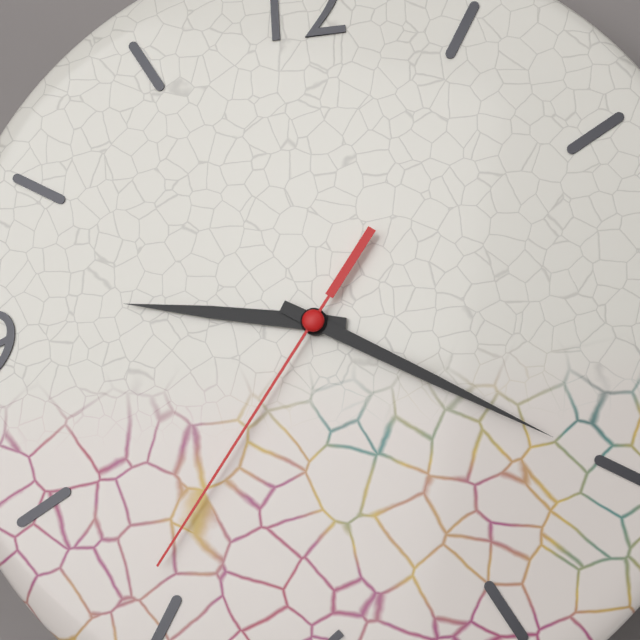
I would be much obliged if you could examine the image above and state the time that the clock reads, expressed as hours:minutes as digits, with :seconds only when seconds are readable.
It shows 9:20:36
